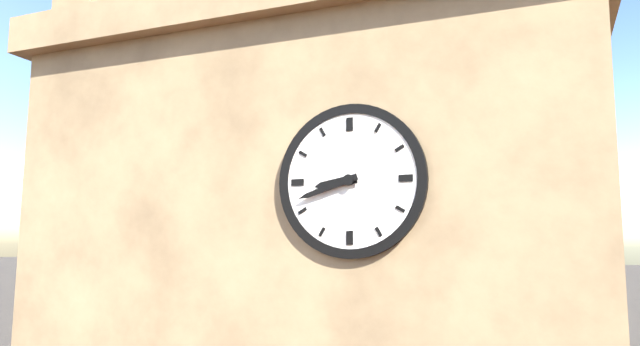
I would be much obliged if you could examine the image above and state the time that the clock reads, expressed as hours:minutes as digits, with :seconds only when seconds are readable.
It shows 8:42
